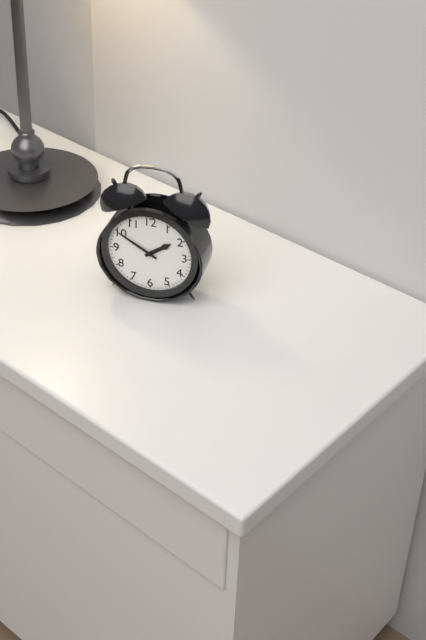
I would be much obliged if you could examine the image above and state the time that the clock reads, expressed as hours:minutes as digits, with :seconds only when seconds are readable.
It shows 1:50
